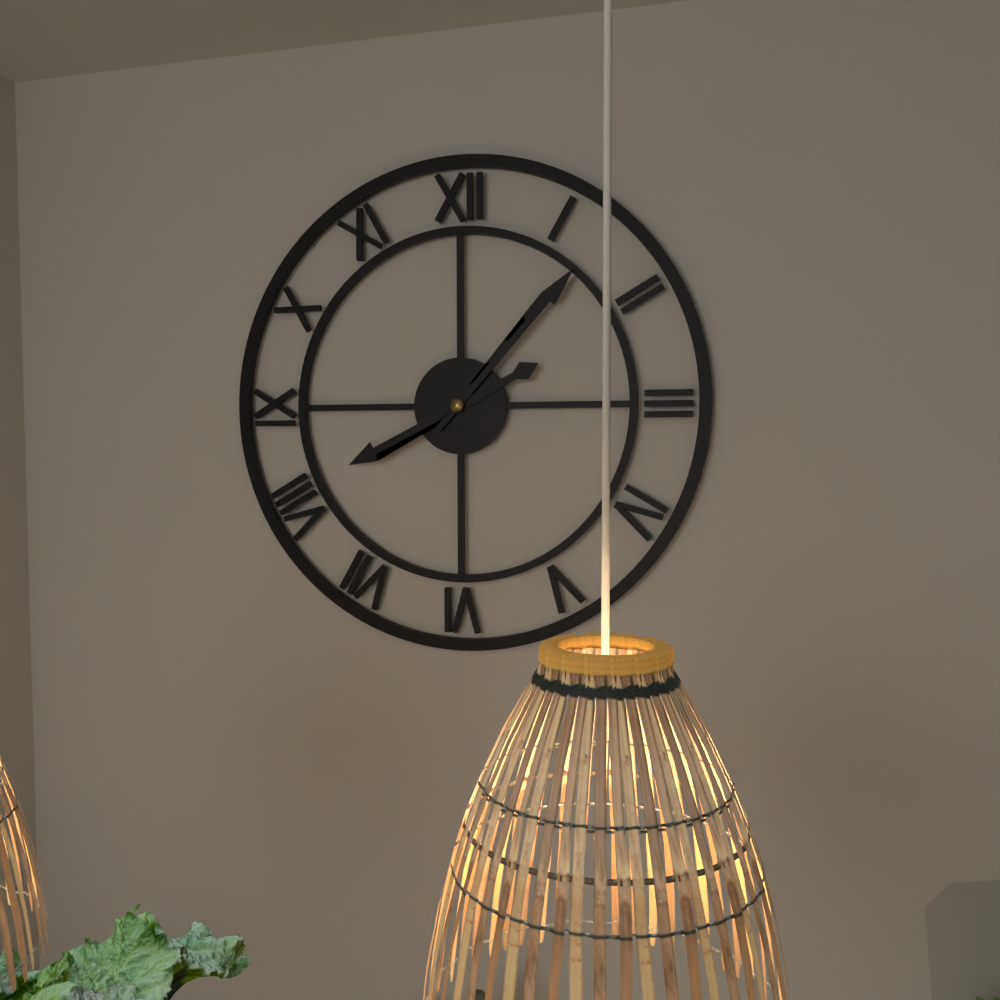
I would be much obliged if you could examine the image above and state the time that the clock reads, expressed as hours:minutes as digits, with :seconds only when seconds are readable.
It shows 8:07
